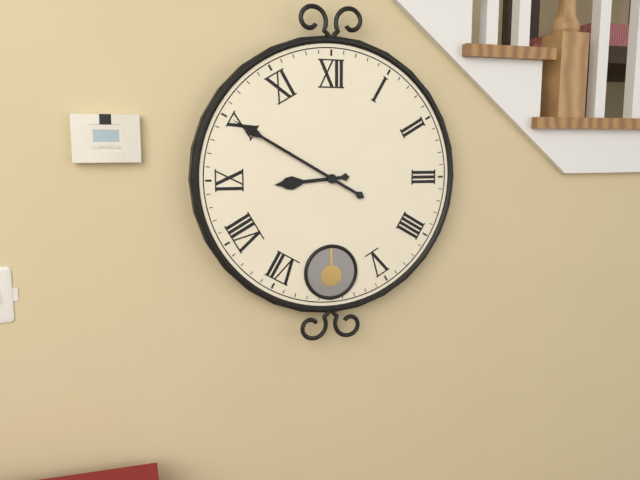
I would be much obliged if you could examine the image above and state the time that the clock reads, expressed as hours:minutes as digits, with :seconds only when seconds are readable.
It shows 8:50
